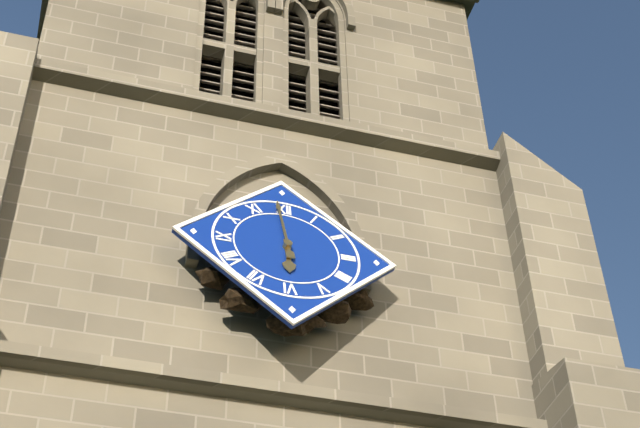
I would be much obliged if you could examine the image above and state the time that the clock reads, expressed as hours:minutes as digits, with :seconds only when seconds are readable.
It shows 5:59
